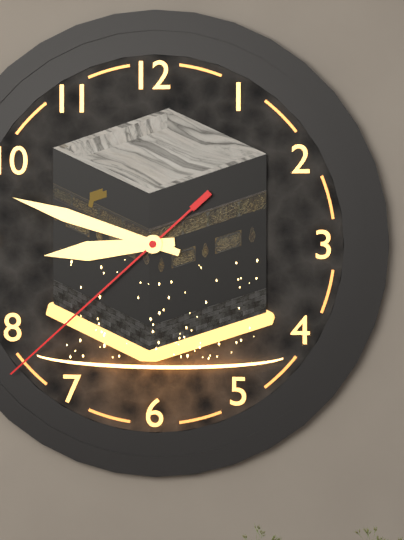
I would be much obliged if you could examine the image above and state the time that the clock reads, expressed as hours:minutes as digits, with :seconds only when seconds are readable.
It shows 8:48:38
